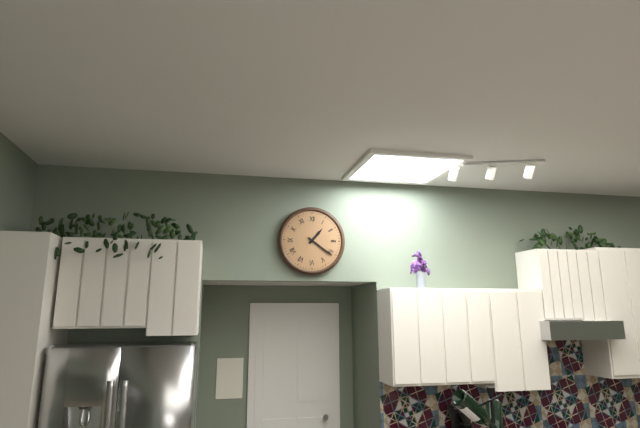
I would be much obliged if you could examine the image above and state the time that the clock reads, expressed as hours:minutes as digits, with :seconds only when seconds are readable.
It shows 1:21
